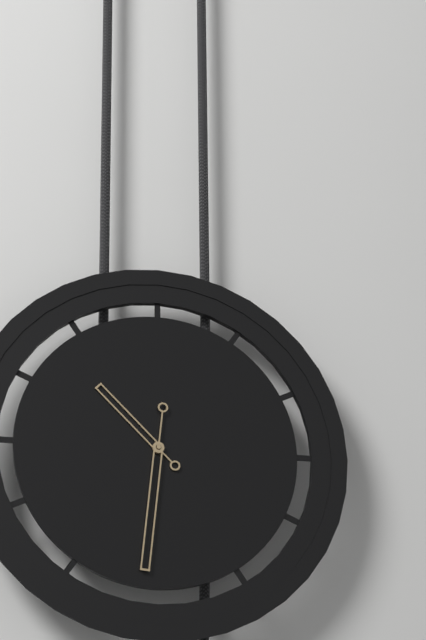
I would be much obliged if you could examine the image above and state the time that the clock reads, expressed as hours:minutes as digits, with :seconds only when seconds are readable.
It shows 10:31
